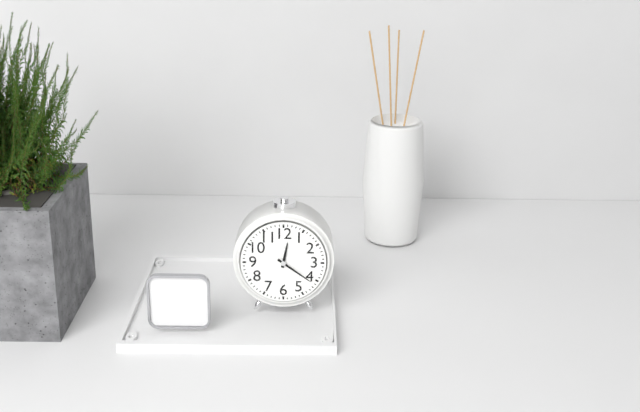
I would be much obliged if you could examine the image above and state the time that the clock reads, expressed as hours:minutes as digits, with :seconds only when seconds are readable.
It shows 12:21
